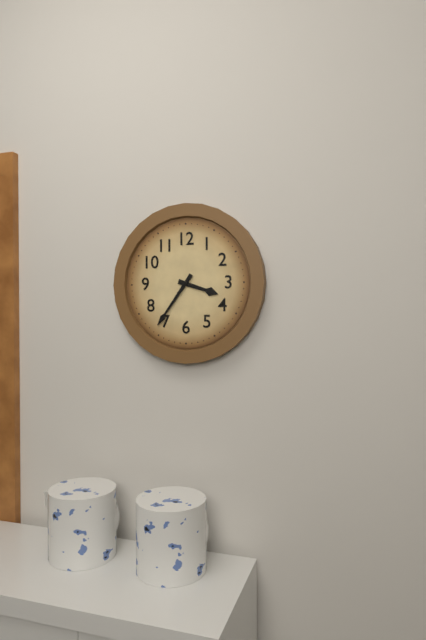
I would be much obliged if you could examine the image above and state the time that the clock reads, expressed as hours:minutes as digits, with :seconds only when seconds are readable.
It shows 3:36
